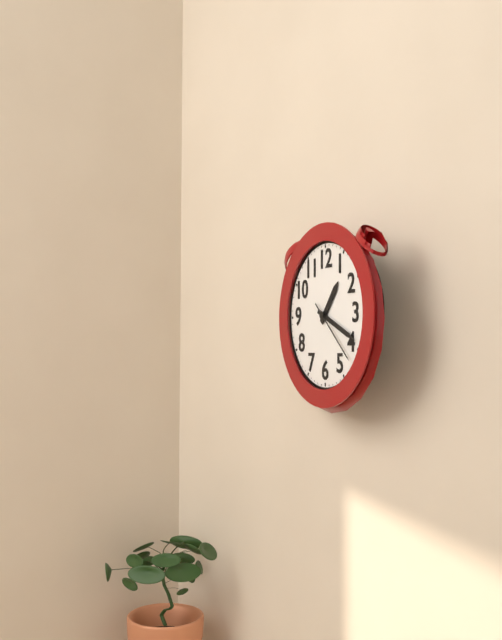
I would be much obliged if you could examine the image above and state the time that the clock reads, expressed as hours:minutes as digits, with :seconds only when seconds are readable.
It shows 1:19:22
